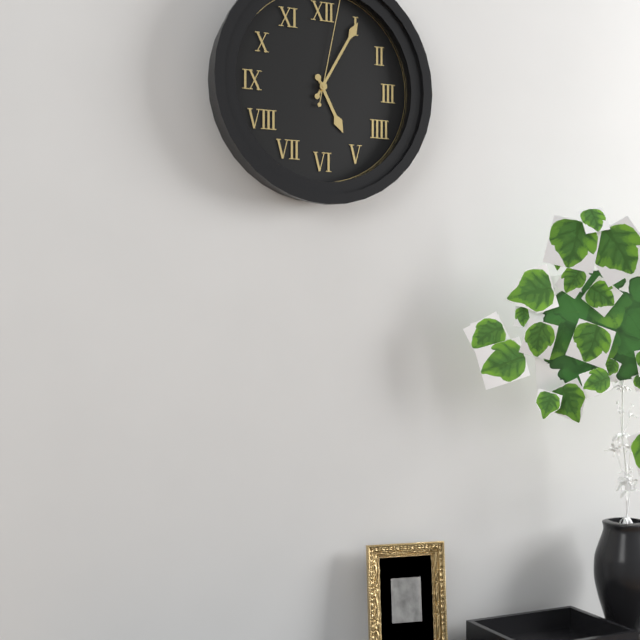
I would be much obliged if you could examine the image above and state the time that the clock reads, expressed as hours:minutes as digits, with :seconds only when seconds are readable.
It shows 5:05
